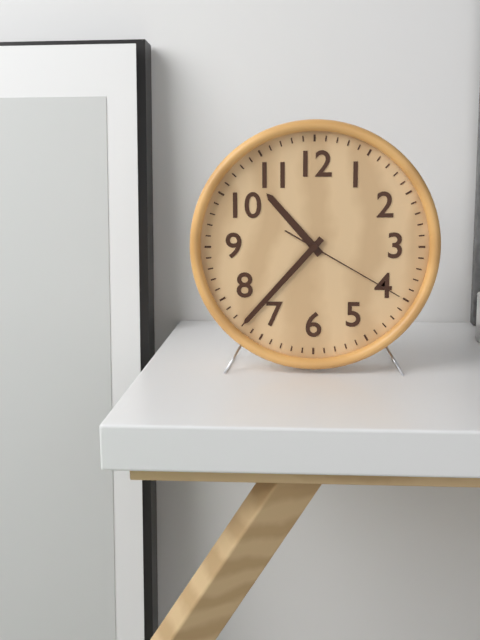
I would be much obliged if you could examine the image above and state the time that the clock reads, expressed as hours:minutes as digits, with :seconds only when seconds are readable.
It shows 10:37:20
